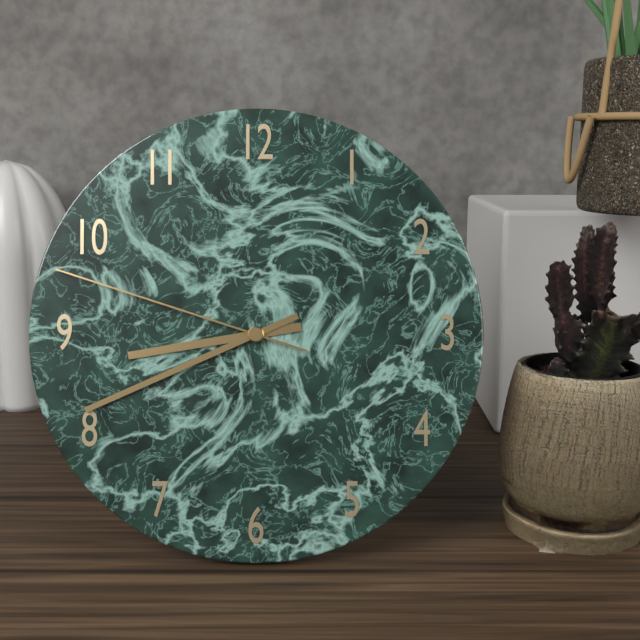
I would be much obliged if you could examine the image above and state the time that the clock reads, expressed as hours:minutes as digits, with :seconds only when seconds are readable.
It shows 8:41:48
